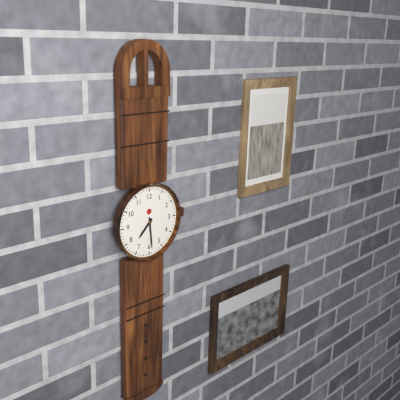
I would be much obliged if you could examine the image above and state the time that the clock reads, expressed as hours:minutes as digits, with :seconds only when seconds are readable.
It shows 7:29
